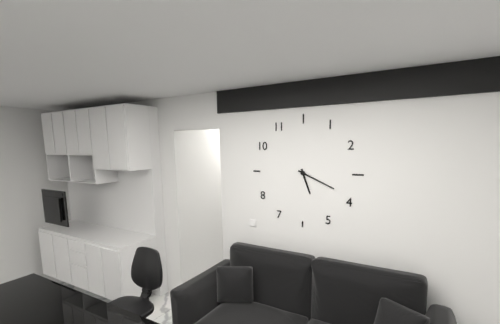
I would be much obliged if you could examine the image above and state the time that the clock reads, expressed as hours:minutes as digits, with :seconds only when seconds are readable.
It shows 5:19
